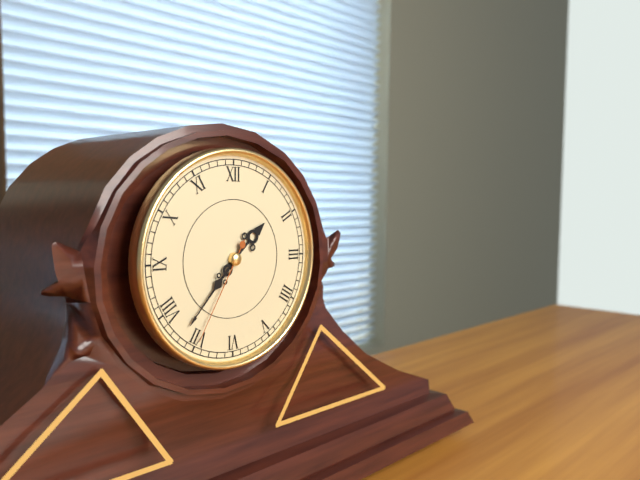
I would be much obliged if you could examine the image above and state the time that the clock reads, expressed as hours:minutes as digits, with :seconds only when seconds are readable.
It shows 1:37:35
